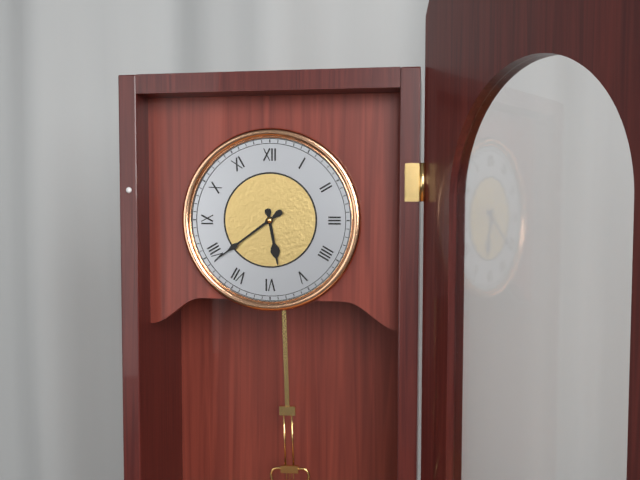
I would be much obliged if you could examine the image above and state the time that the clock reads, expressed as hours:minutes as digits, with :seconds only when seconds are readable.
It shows 5:39
